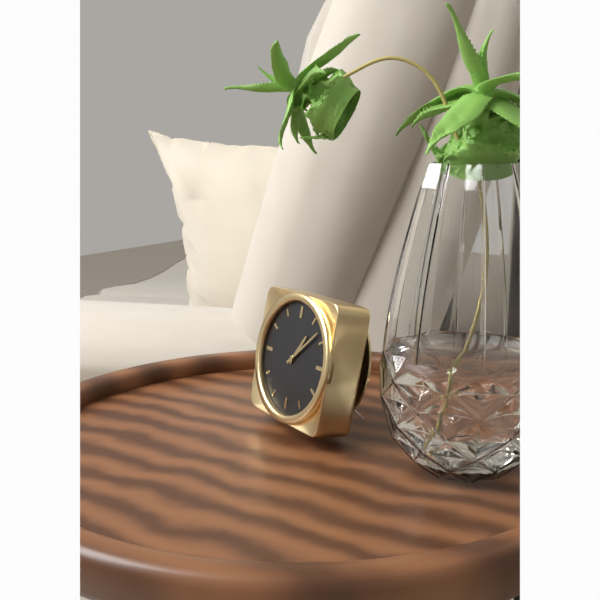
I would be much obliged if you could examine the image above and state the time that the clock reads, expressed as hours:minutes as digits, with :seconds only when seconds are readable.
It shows 1:08
